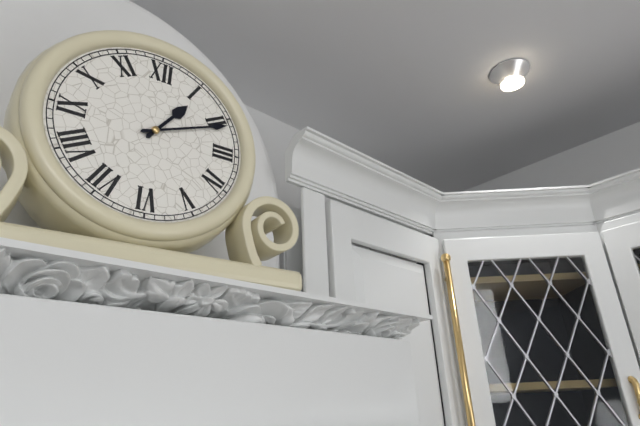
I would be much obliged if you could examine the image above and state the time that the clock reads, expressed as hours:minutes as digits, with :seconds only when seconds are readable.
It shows 1:11
